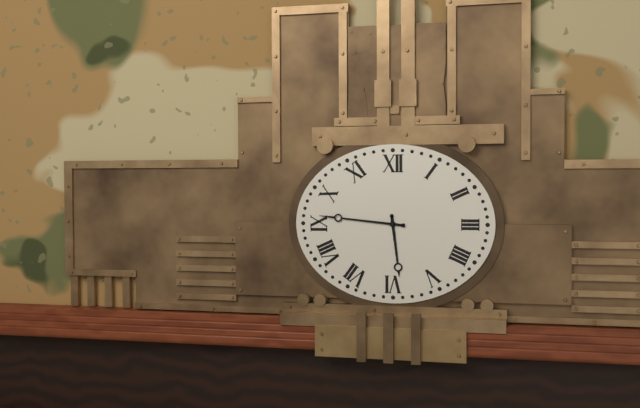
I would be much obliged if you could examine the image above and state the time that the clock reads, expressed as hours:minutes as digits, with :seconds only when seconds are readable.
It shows 5:46
